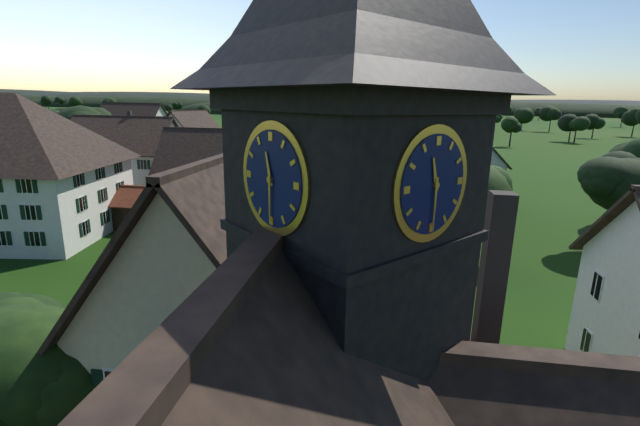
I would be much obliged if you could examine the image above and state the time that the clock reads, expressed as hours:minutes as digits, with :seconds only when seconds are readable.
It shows 11:30
